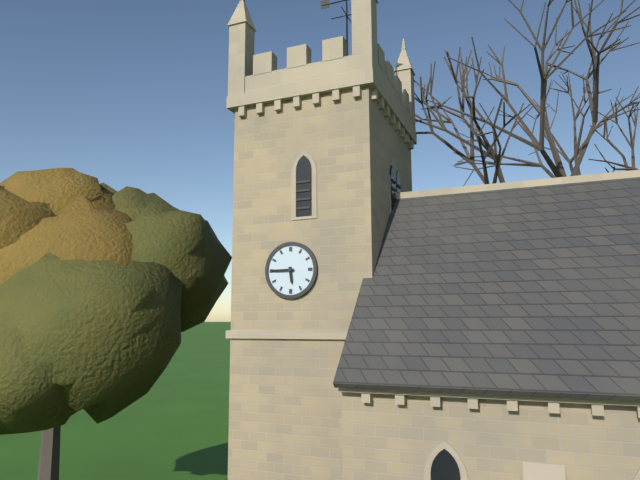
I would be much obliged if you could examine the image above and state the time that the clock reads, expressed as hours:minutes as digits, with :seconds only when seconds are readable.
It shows 5:45
